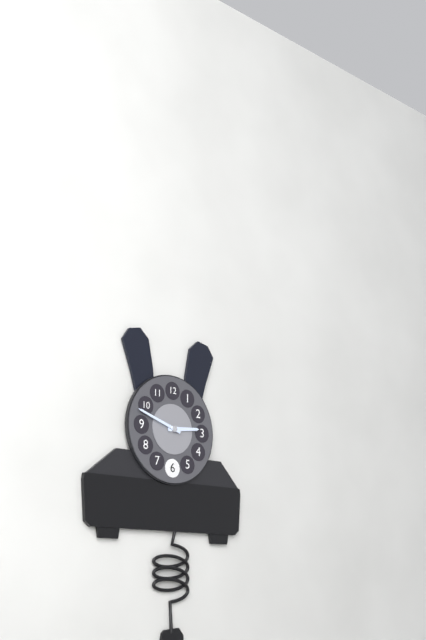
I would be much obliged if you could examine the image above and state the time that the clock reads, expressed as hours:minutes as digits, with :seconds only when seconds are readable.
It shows 2:48
